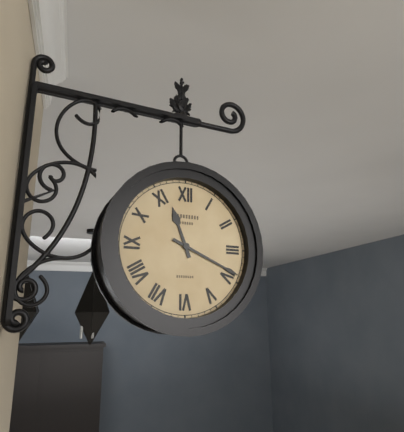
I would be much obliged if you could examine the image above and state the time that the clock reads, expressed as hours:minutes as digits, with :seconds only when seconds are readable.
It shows 11:19
